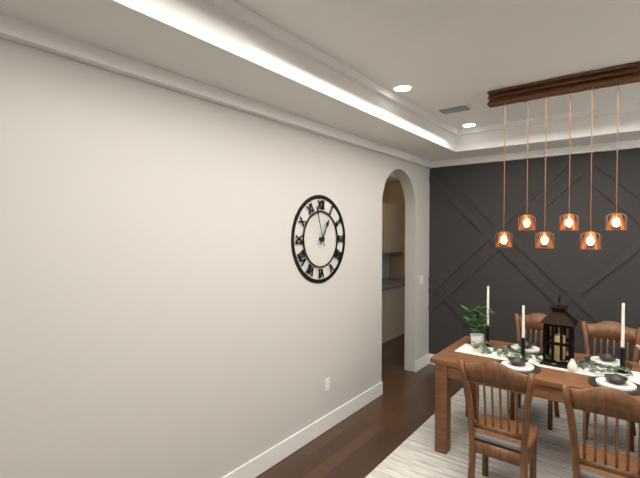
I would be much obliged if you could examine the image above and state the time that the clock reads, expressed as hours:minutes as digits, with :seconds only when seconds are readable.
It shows 12:57
